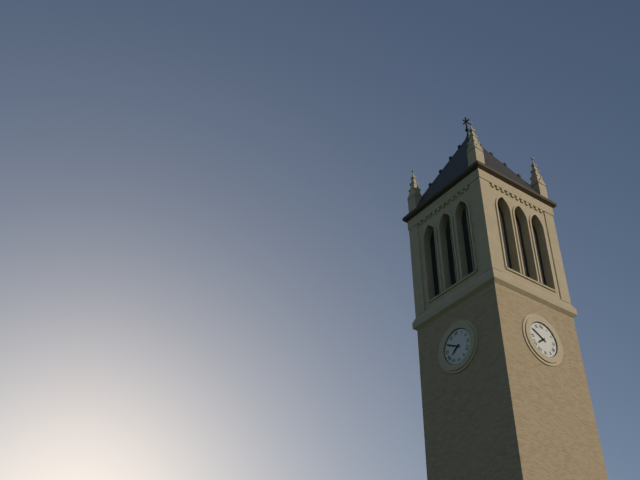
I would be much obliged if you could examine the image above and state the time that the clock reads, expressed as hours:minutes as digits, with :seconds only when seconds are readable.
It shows 7:50
